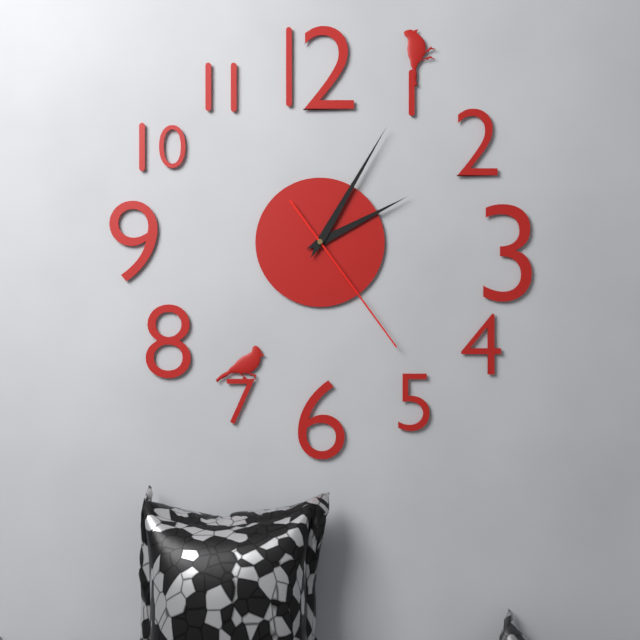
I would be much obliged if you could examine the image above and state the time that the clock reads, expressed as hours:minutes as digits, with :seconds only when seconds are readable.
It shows 2:05:24
